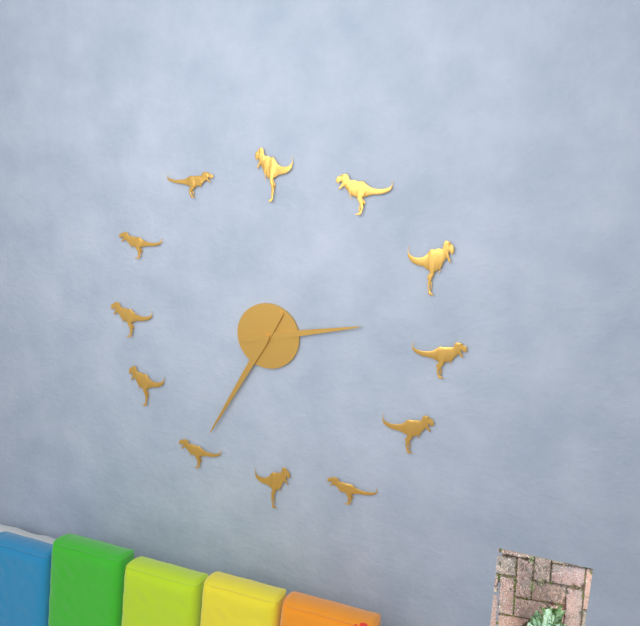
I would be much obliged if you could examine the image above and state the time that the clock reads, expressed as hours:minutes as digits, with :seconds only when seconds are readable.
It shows 2:35
